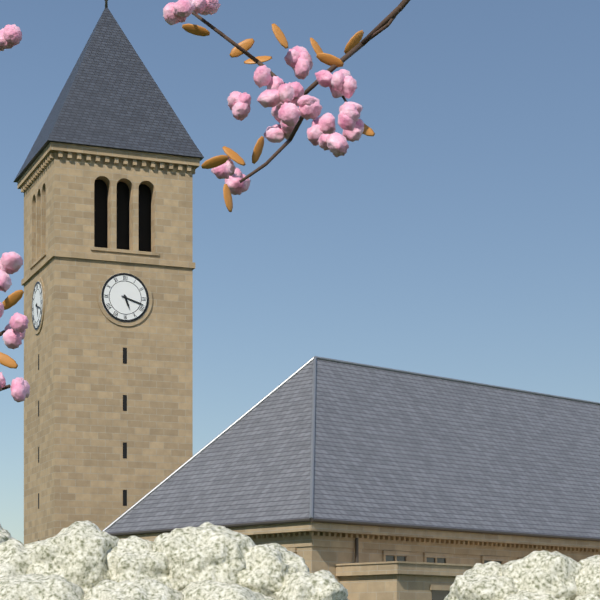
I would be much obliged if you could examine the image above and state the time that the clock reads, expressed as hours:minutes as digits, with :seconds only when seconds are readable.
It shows 5:18
